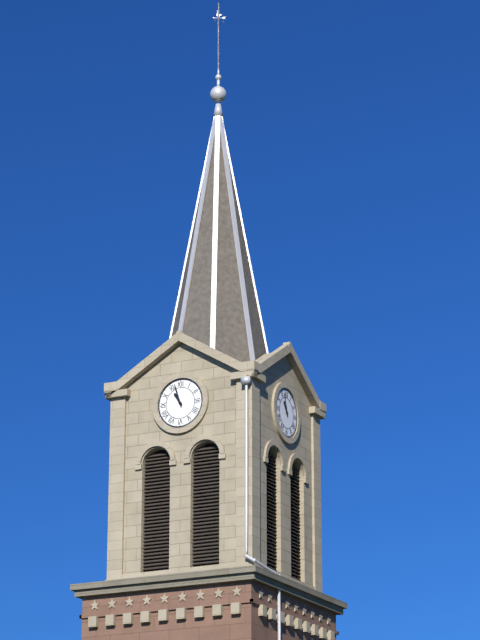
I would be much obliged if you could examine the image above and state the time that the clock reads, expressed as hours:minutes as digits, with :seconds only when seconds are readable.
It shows 10:57
